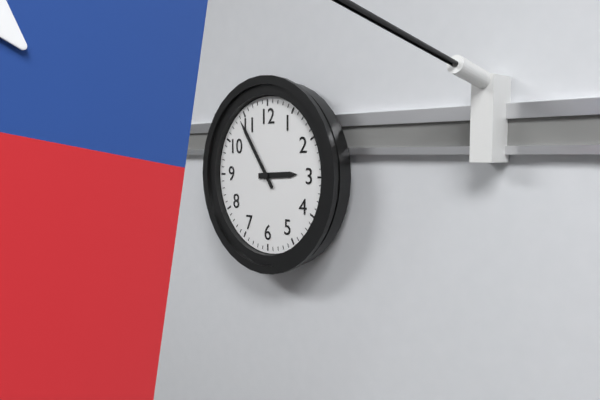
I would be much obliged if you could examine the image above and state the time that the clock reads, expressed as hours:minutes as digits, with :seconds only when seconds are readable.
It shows 2:54
